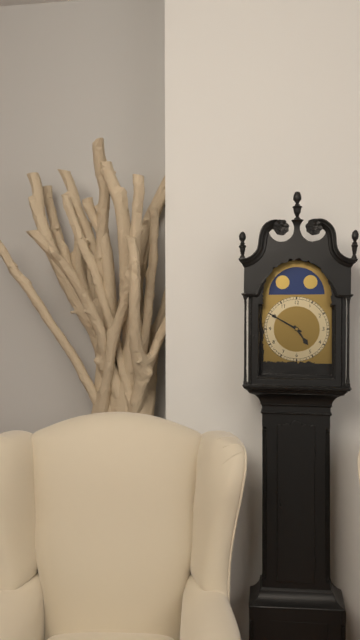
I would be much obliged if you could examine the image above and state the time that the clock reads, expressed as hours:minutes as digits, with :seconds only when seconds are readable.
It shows 4:50
